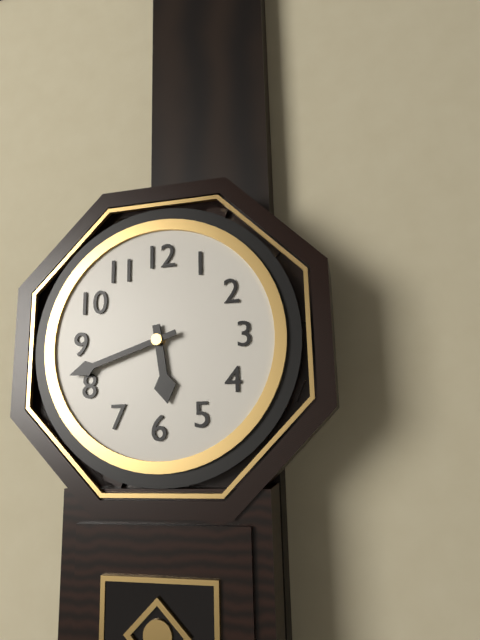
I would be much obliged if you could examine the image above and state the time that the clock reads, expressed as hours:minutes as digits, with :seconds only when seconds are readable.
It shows 5:42
